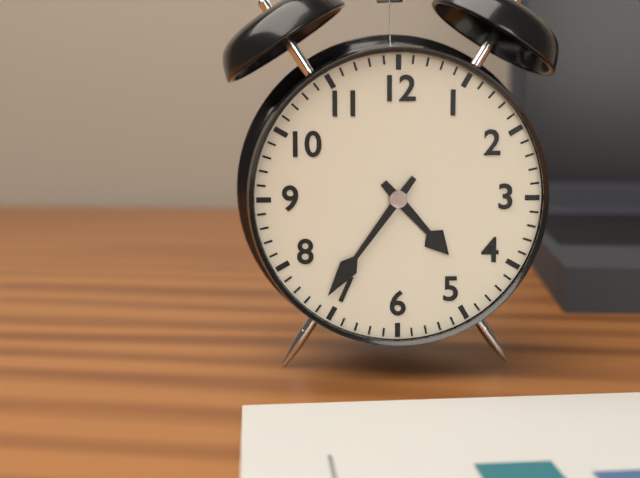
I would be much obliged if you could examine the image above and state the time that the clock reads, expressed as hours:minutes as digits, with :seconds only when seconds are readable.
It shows 4:36
